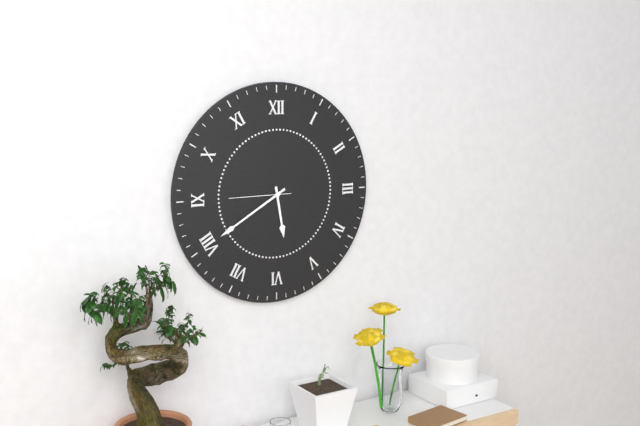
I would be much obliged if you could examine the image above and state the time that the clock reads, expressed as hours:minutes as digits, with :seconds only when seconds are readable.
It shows 5:40:45
